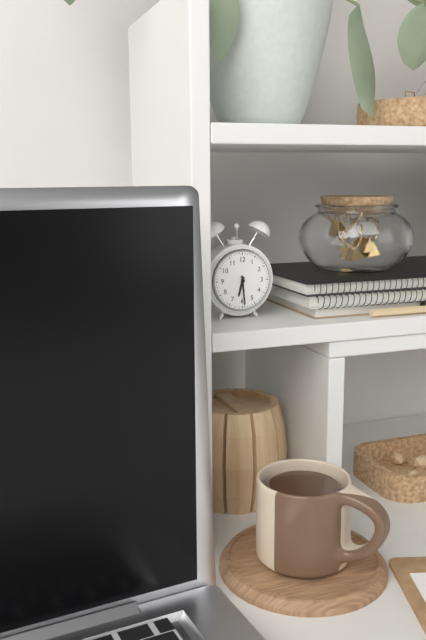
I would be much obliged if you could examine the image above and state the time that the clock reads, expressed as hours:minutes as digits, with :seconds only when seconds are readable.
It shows 6:29
